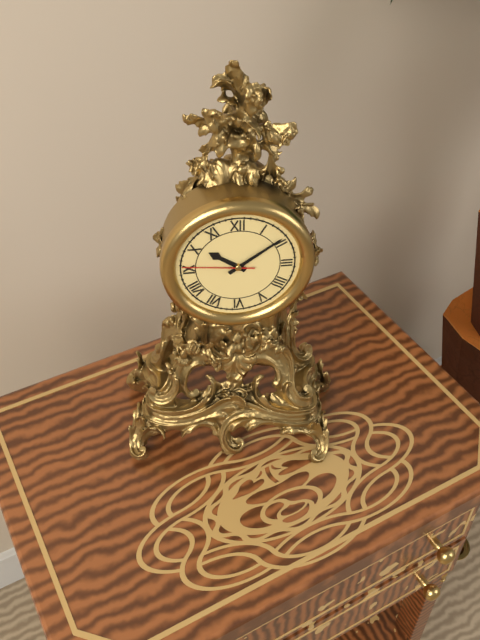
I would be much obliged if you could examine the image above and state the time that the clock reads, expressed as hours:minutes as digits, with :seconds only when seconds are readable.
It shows 10:09:46
